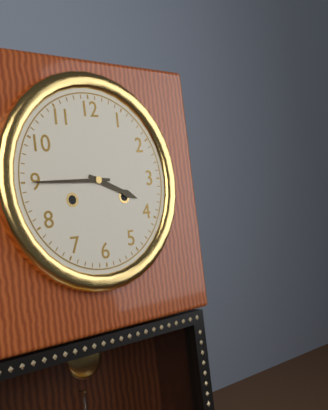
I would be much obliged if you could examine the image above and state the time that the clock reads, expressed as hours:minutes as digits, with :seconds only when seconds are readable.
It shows 3:45
